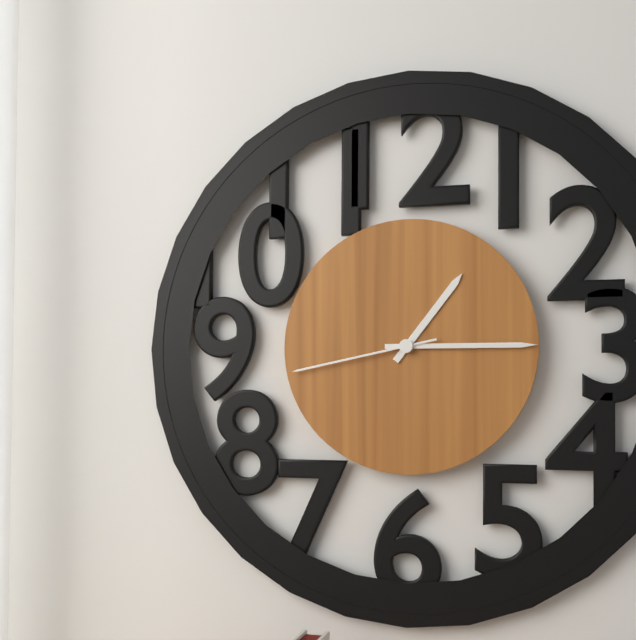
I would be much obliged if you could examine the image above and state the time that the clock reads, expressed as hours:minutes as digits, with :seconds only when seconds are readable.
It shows 1:15:43
